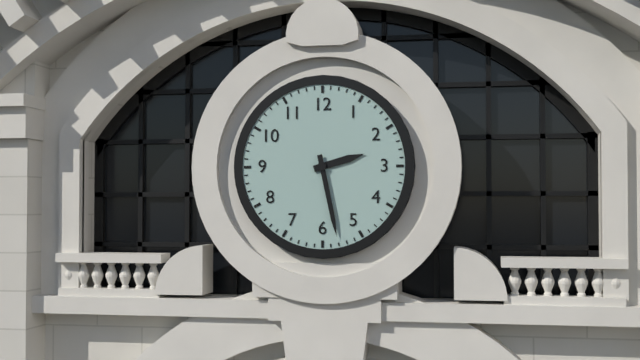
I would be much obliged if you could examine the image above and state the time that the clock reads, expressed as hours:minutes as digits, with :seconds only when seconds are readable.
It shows 2:28
